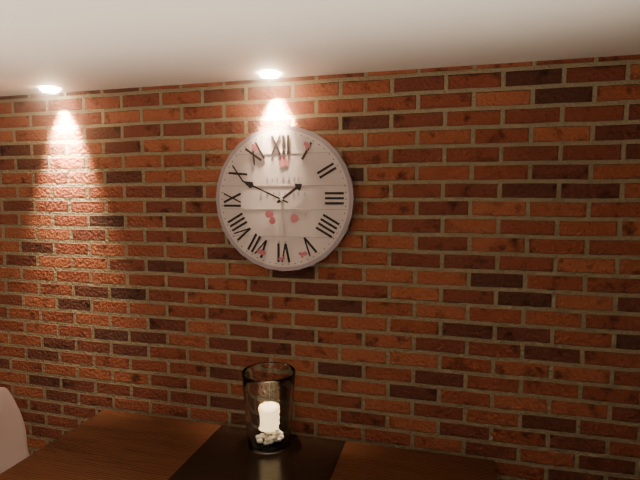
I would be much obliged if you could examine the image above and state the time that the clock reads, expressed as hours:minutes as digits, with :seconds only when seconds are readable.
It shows 1:49
